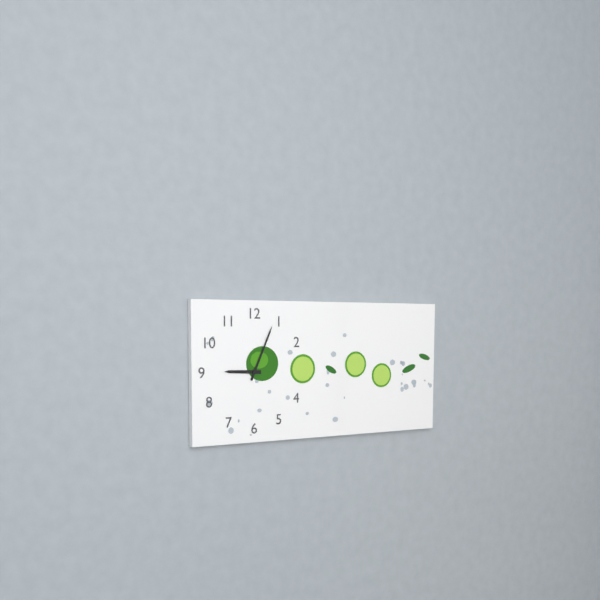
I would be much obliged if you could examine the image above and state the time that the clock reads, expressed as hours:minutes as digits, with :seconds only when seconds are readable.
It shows 9:04
